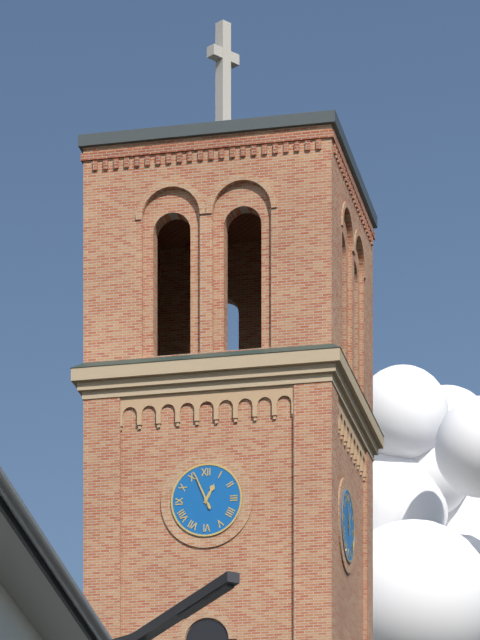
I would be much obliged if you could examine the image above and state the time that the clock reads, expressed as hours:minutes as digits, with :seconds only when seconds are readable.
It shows 12:56
